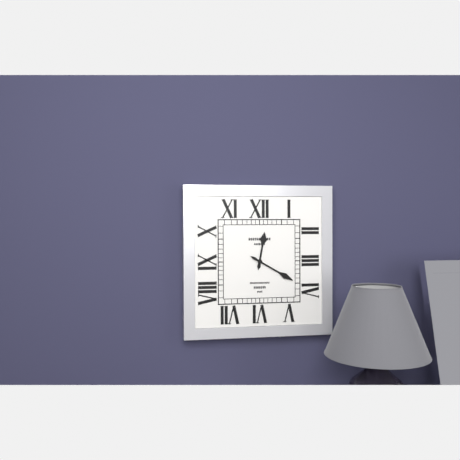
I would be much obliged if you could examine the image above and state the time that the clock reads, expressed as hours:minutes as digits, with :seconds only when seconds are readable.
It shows 12:20
